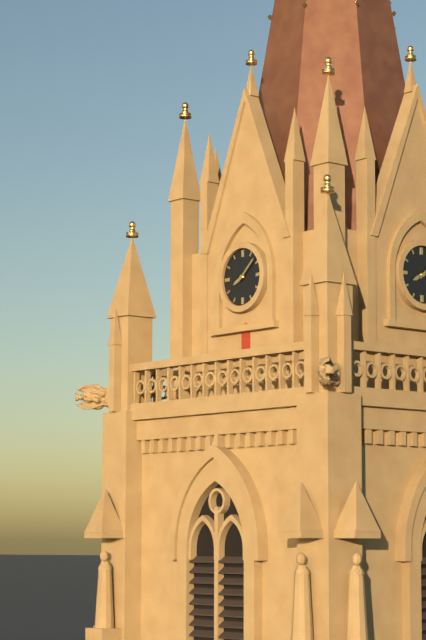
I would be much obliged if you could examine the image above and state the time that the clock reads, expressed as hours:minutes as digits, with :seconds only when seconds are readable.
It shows 8:08
